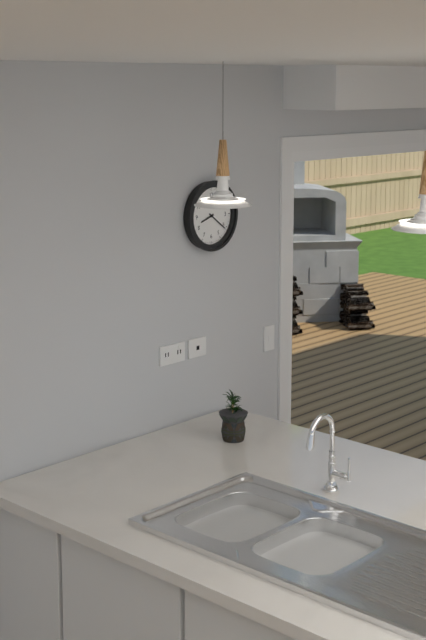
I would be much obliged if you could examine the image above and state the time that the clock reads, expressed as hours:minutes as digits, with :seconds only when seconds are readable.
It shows 8:21
